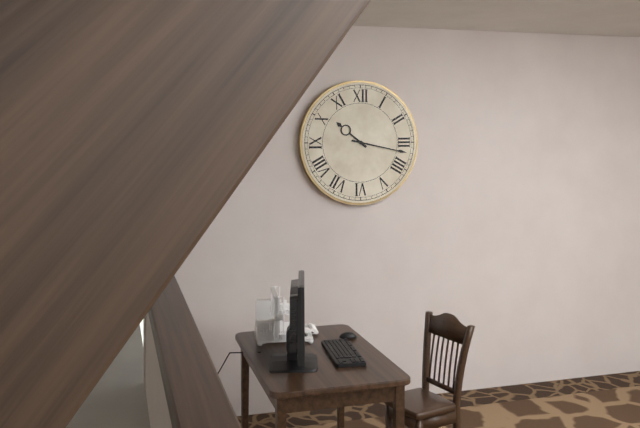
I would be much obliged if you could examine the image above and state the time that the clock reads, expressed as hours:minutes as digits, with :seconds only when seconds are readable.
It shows 10:17
